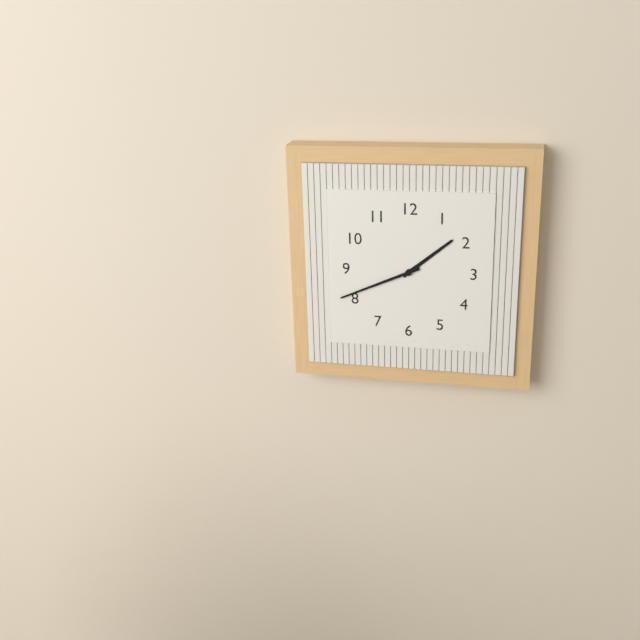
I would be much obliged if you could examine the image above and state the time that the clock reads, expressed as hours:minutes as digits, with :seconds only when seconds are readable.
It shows 1:41
